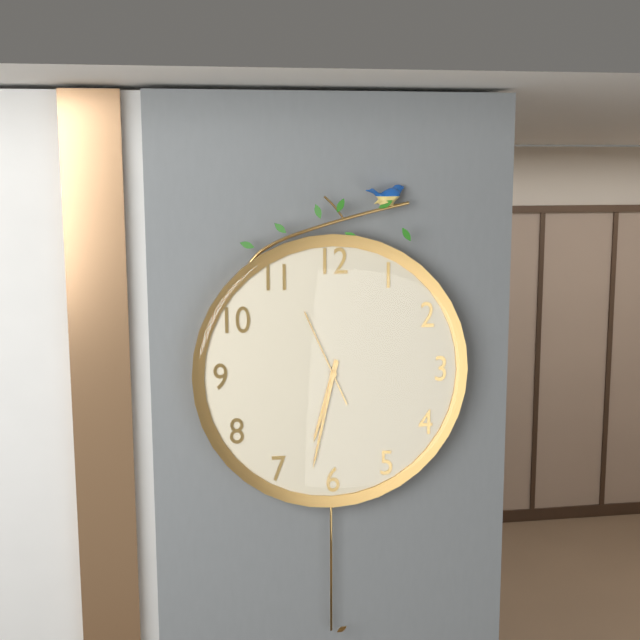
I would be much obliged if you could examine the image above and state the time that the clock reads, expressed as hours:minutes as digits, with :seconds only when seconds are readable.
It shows 6:32:56
